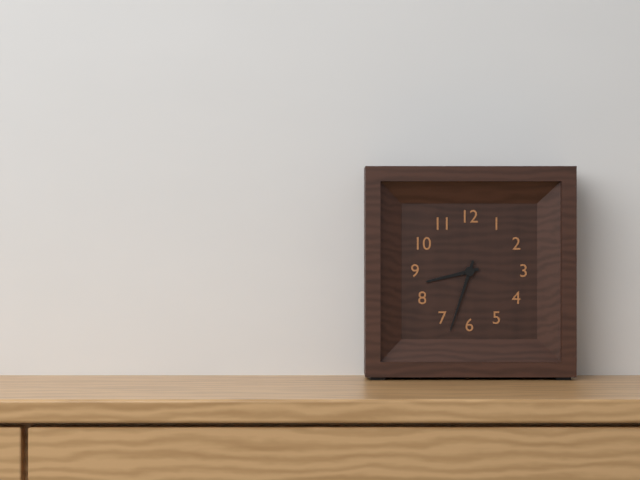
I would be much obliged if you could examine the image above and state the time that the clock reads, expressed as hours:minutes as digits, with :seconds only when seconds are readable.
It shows 8:33
